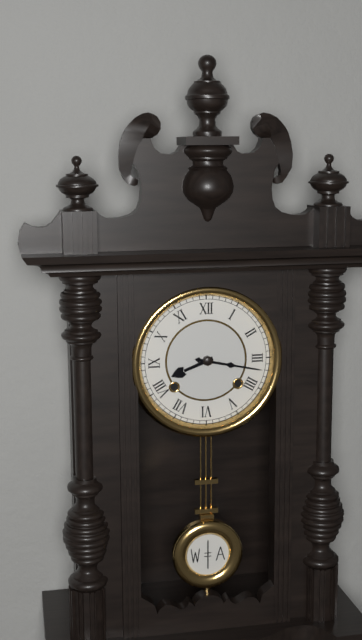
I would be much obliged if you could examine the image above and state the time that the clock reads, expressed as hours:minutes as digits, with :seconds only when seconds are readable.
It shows 8:17
